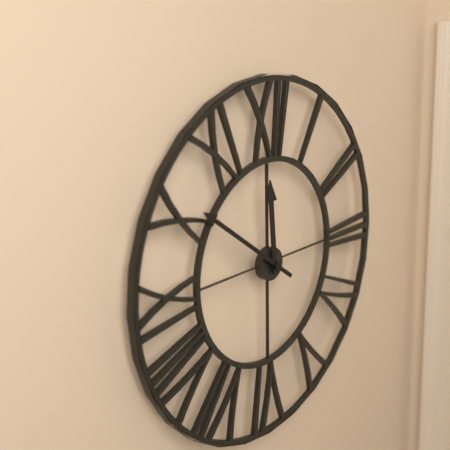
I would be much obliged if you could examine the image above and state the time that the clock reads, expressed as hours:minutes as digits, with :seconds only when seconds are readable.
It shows 11:51
